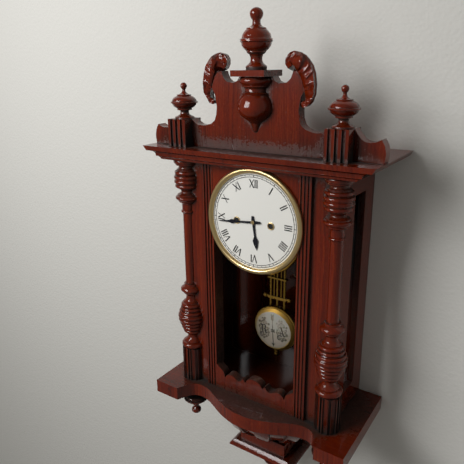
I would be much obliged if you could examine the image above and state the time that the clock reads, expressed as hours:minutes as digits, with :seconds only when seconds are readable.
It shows 5:44
